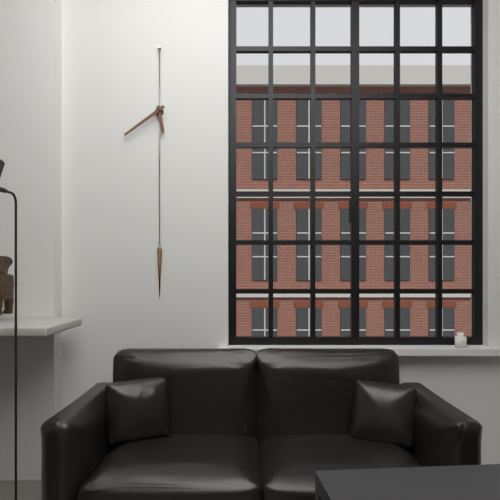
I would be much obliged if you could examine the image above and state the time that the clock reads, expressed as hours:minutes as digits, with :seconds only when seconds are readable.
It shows 5:39
